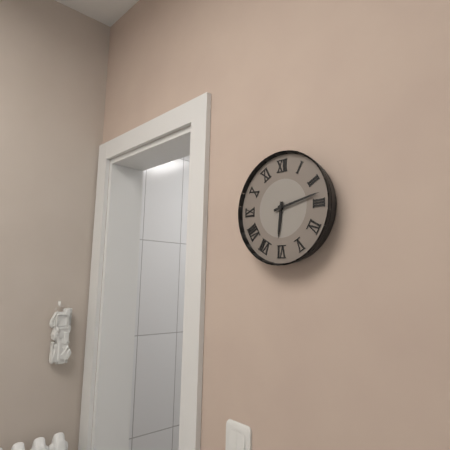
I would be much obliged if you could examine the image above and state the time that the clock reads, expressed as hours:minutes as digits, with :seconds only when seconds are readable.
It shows 6:13
